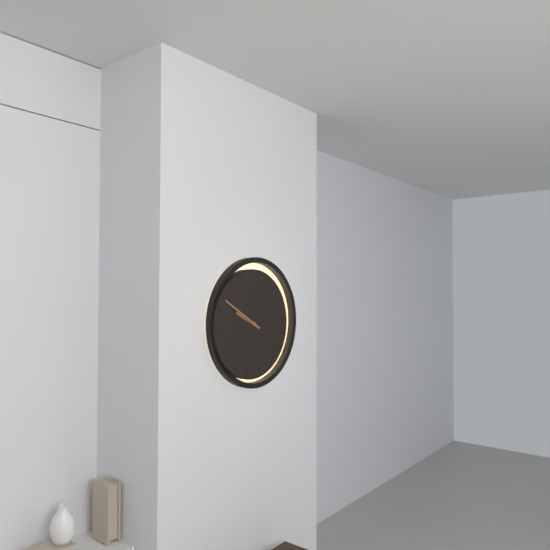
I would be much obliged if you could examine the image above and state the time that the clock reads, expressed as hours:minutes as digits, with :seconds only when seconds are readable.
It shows 9:50
